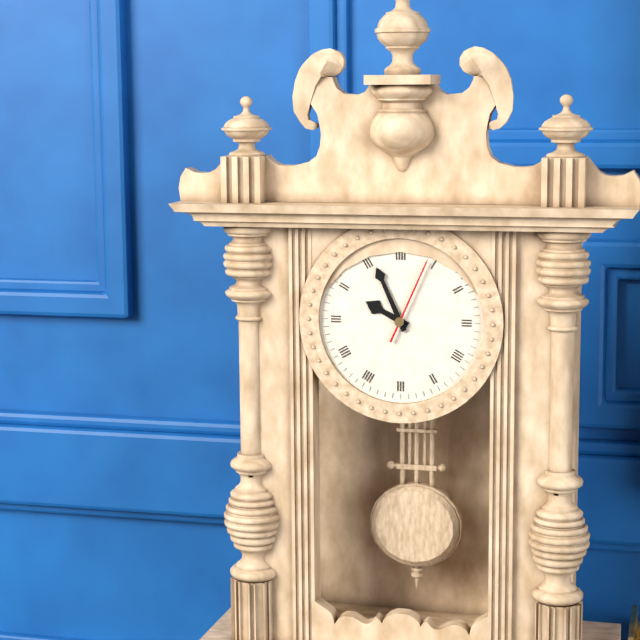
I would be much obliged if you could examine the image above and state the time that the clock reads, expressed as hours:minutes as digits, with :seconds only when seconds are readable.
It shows 9:56:04
